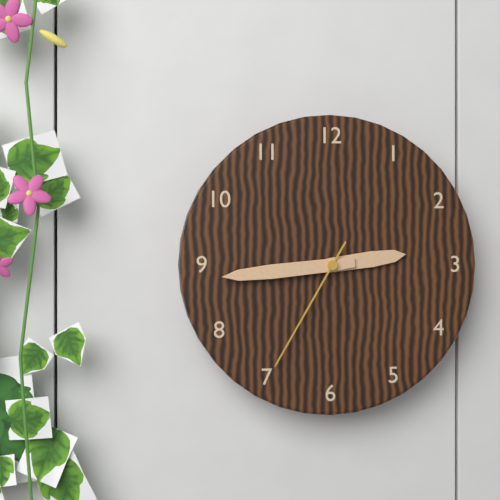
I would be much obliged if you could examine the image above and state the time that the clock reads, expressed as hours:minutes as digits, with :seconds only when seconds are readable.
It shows 2:44:35
